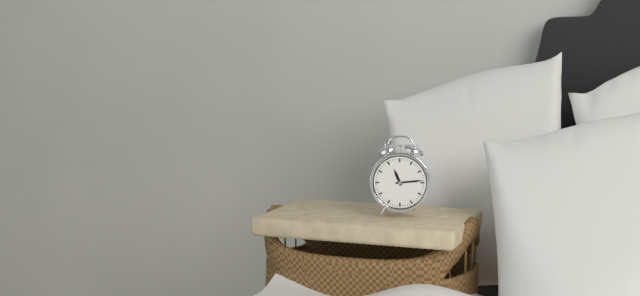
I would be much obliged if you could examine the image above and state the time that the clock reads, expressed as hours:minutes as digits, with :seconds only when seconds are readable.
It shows 11:14
